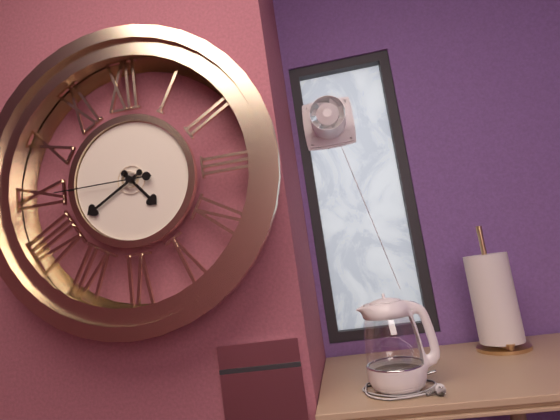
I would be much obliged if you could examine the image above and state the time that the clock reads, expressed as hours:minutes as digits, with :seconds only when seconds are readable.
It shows 4:40:45
